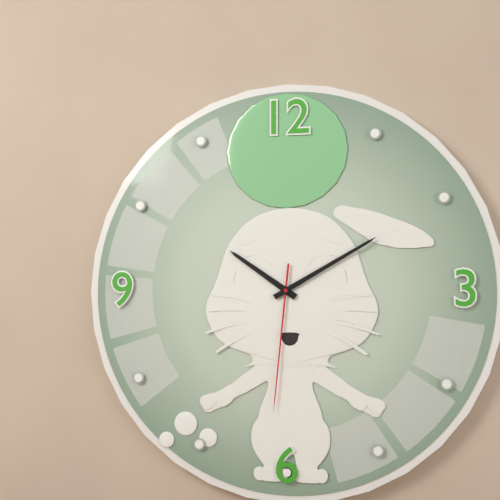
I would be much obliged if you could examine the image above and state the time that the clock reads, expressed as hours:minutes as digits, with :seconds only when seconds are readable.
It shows 10:10:31
